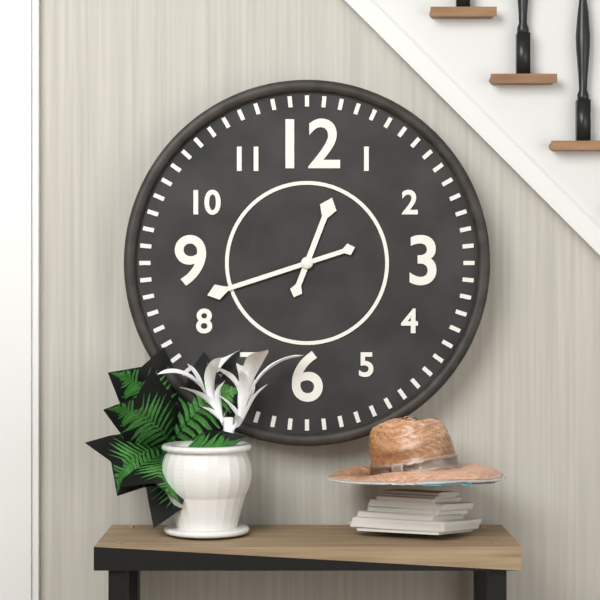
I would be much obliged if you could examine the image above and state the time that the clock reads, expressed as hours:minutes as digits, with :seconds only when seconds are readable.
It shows 12:42
